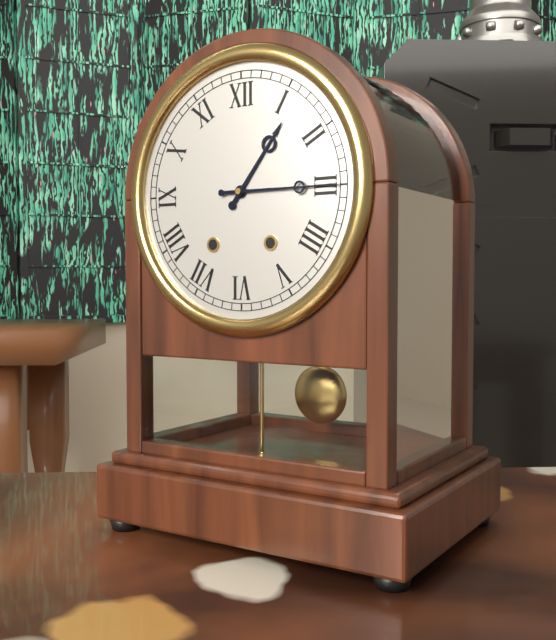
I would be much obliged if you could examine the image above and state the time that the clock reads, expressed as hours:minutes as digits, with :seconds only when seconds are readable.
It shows 1:15
